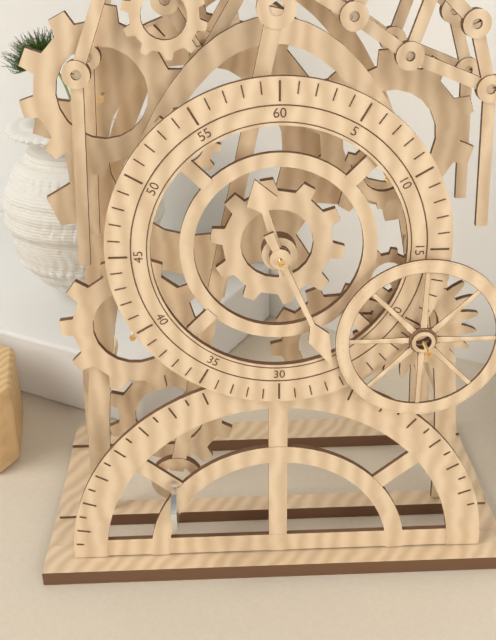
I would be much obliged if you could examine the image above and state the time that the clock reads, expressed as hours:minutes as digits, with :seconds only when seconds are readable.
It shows 11:26
